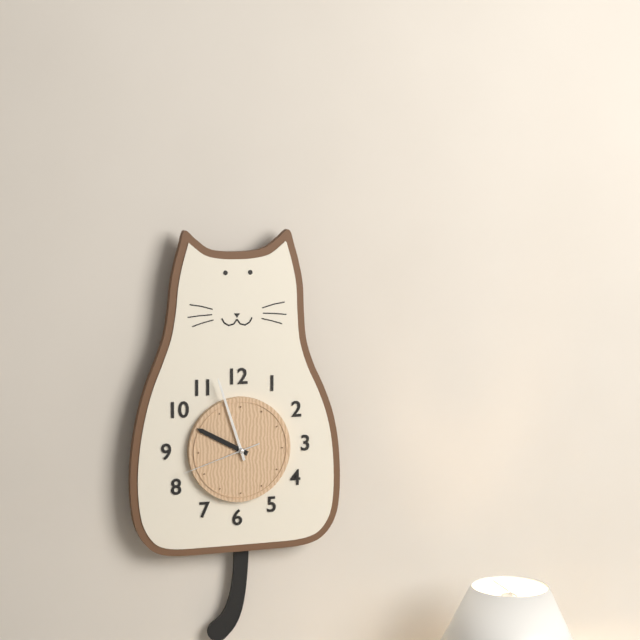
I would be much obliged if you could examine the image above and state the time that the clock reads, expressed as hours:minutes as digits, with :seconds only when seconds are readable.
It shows 9:57:42
